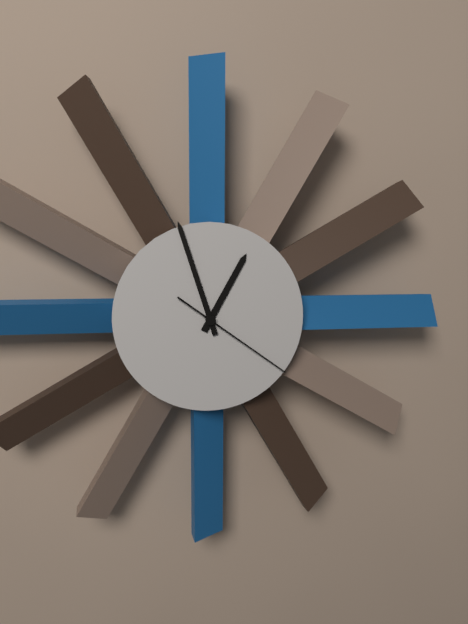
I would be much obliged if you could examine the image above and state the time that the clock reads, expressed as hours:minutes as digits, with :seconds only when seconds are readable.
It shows 12:57:21
